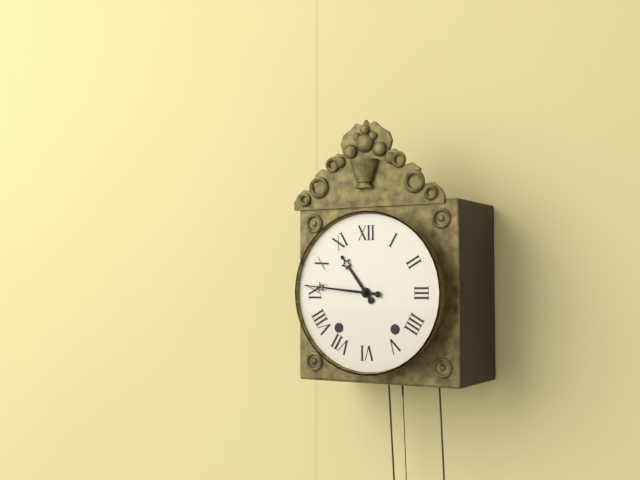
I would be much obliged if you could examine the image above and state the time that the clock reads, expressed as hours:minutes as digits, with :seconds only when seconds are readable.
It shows 10:46
